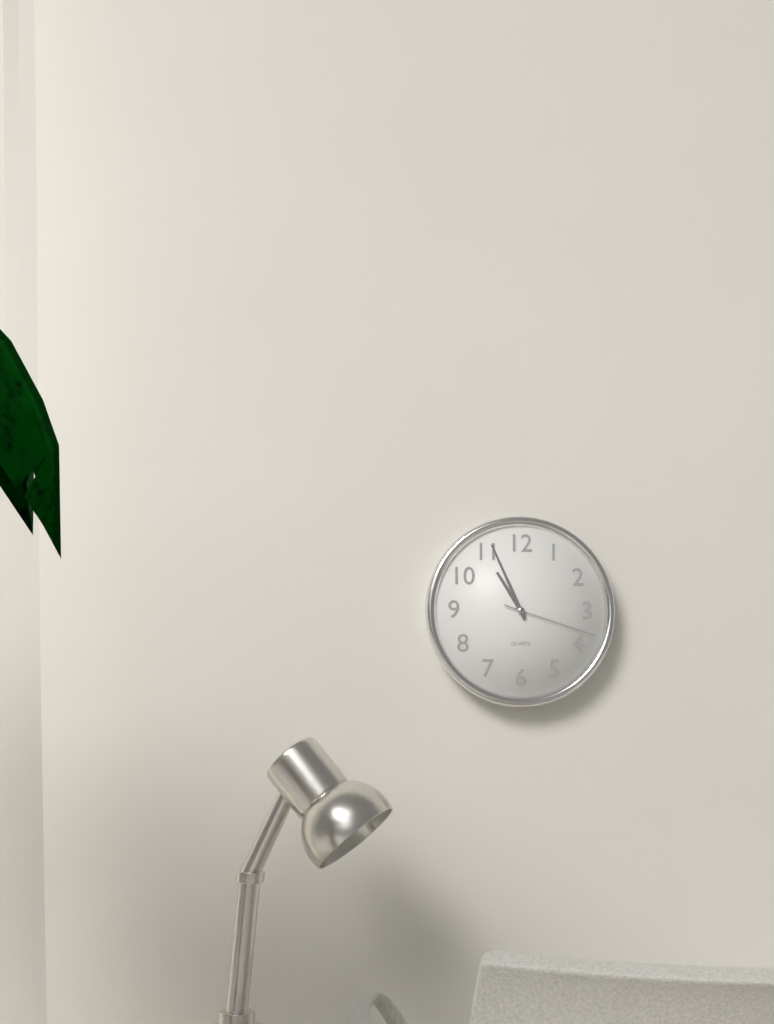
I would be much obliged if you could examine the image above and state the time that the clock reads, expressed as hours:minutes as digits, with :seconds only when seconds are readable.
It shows 10:56:18
